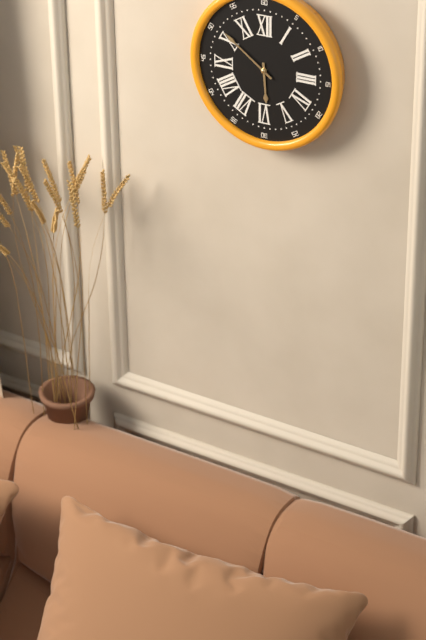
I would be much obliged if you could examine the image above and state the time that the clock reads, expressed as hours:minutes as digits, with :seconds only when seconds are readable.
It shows 5:51
